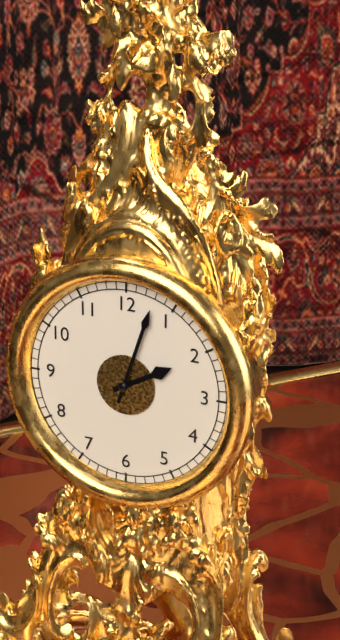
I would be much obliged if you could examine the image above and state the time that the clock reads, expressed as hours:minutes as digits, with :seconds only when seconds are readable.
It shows 2:03
